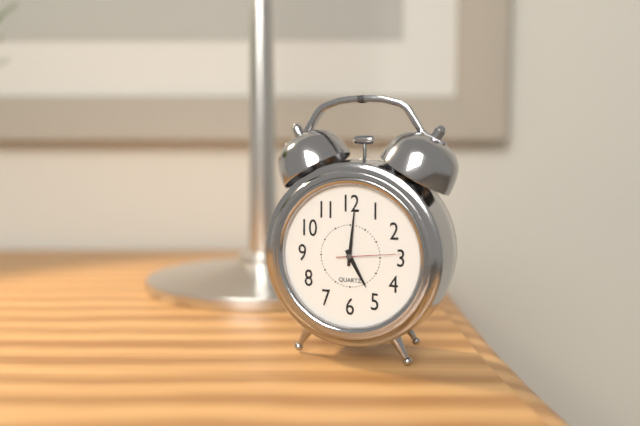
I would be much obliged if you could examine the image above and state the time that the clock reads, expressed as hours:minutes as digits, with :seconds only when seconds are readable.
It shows 5:01:14
